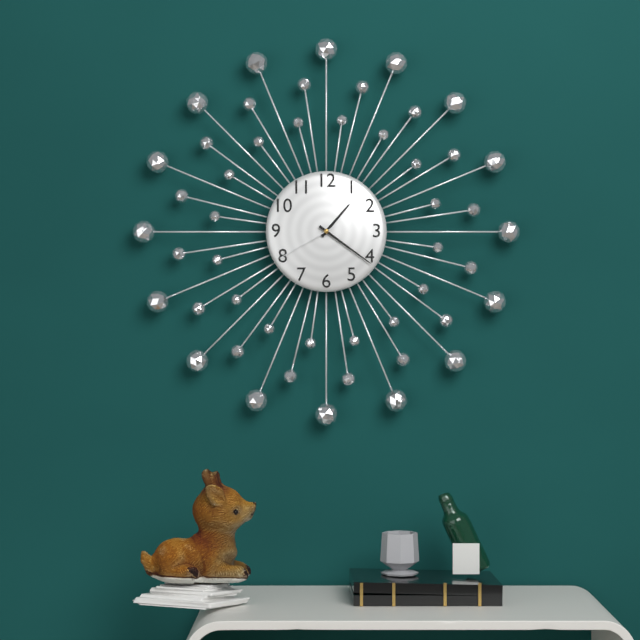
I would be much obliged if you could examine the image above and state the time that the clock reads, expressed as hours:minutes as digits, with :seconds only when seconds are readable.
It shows 1:21:40
